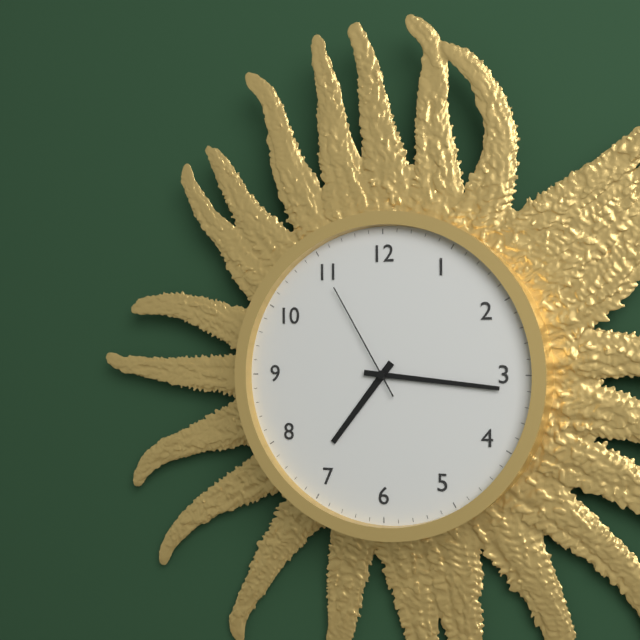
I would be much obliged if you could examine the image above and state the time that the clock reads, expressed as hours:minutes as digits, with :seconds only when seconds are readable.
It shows 7:16:55
